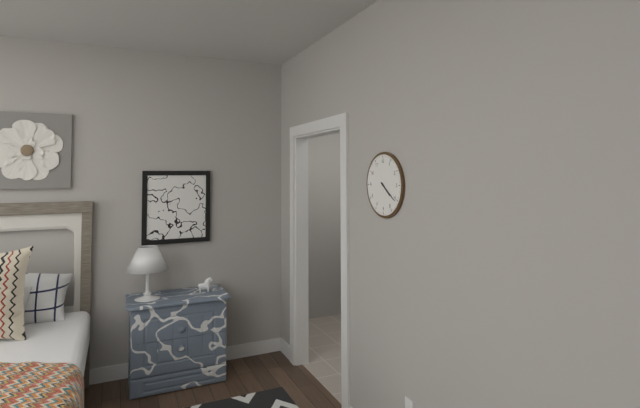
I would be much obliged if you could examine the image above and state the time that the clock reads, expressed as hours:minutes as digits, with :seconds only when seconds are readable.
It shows 4:21
